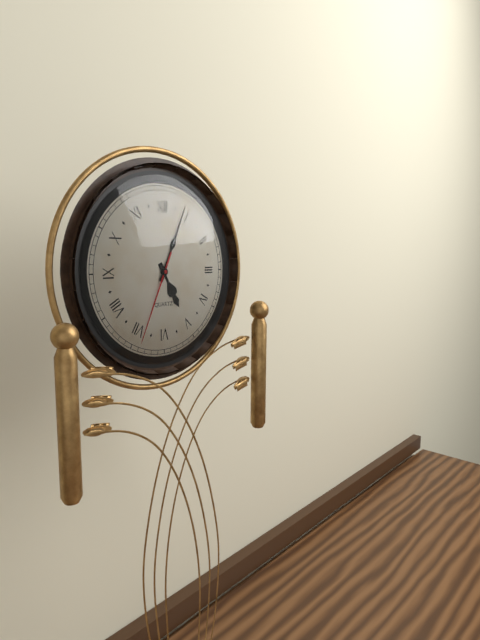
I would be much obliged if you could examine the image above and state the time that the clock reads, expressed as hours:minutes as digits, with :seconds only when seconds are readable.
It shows 5:04:34
